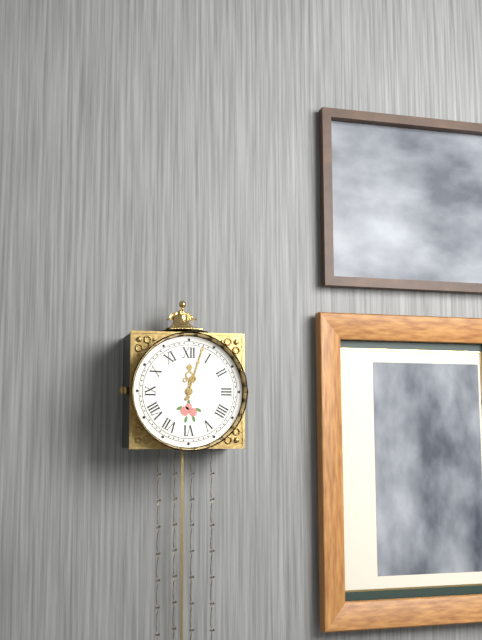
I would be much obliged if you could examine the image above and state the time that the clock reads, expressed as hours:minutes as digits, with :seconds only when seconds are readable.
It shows 12:03
